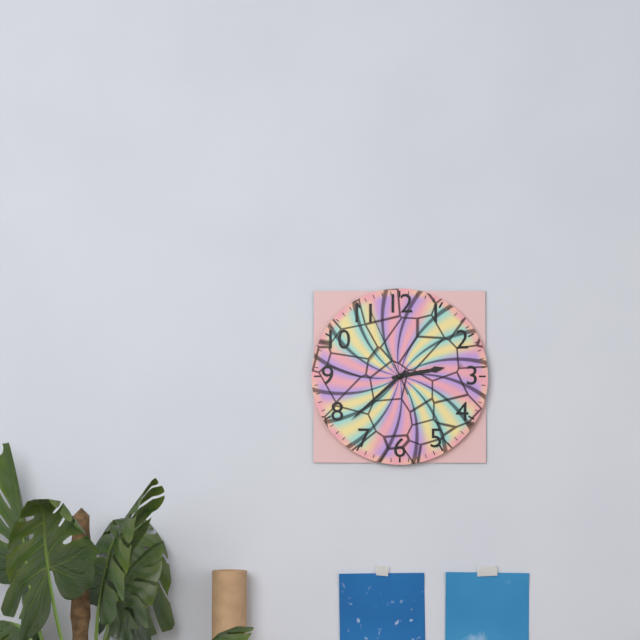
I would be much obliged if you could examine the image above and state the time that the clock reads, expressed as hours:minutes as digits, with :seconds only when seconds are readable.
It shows 2:38:56
